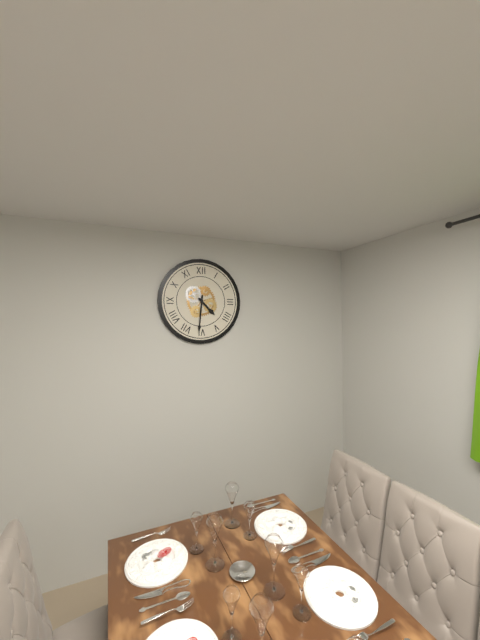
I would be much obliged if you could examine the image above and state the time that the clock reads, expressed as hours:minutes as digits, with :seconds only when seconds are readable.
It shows 4:31
